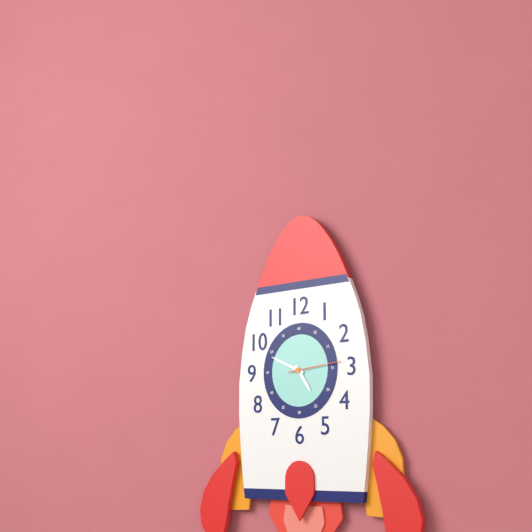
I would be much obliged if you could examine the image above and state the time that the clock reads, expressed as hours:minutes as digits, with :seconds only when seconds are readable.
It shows 4:49:14
